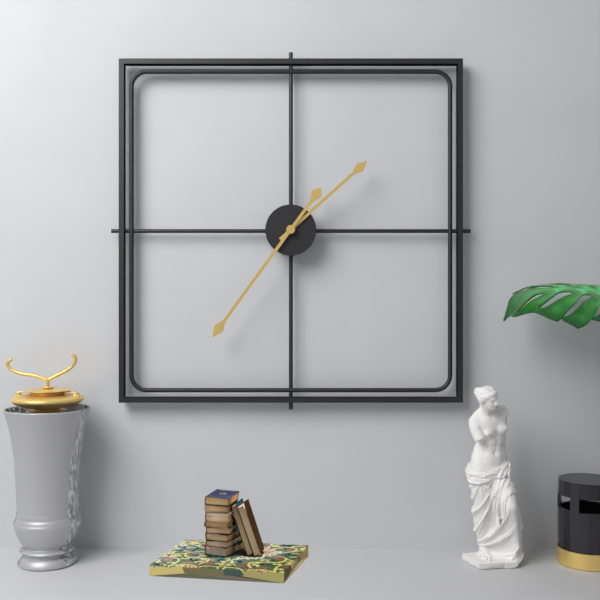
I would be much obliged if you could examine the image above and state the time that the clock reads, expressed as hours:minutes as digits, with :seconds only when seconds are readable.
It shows 1:36
